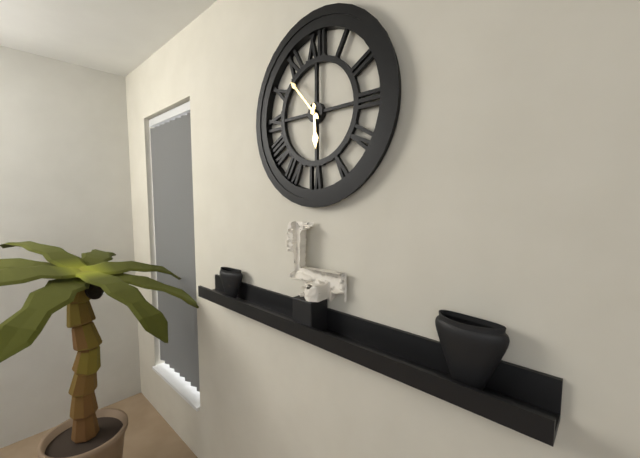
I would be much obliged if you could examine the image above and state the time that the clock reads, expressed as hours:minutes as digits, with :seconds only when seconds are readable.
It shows 5:53
